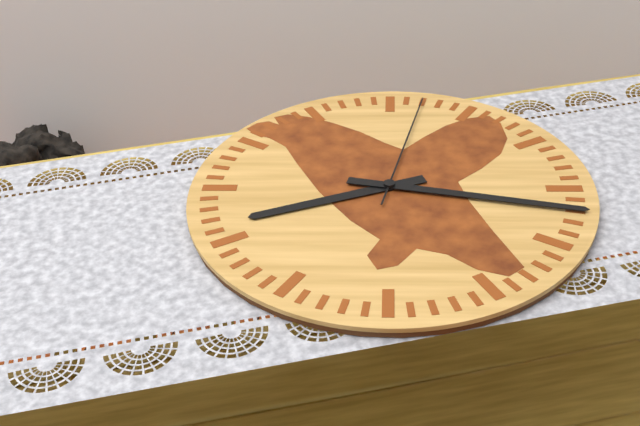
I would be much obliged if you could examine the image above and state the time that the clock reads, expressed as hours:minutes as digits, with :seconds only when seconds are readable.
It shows 8:17:02
